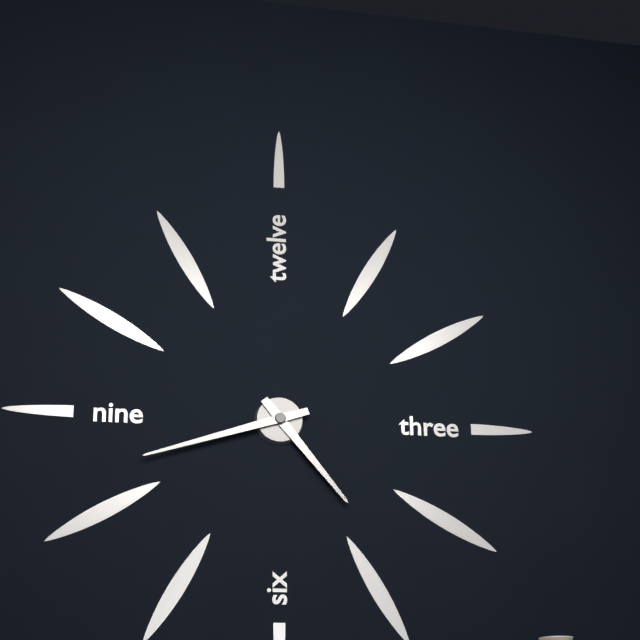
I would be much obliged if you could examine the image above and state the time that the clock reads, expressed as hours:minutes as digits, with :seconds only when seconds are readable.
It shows 4:42
